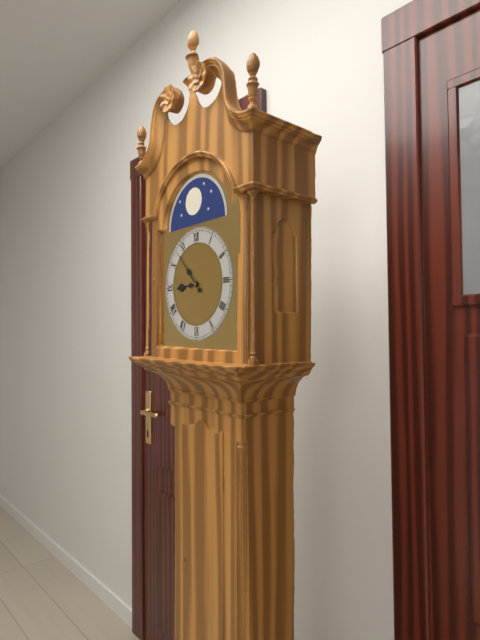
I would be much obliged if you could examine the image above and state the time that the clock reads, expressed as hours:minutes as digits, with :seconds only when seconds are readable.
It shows 8:53
